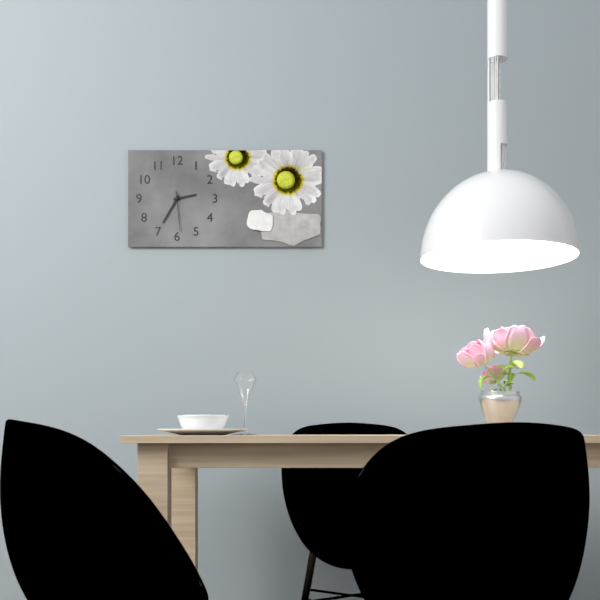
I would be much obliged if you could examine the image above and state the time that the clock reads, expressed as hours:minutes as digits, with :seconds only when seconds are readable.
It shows 2:35
